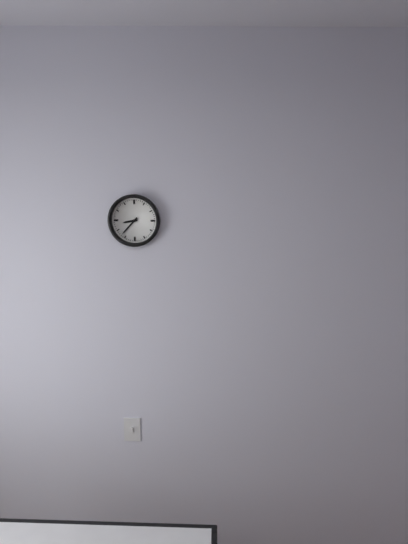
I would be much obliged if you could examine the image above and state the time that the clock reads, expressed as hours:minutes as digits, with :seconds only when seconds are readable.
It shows 8:37
